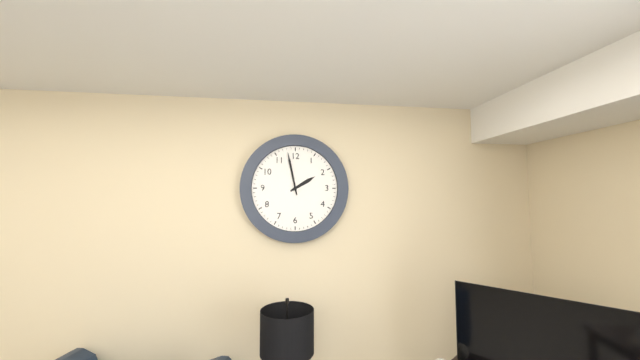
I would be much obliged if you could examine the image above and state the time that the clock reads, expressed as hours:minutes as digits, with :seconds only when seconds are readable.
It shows 1:58
